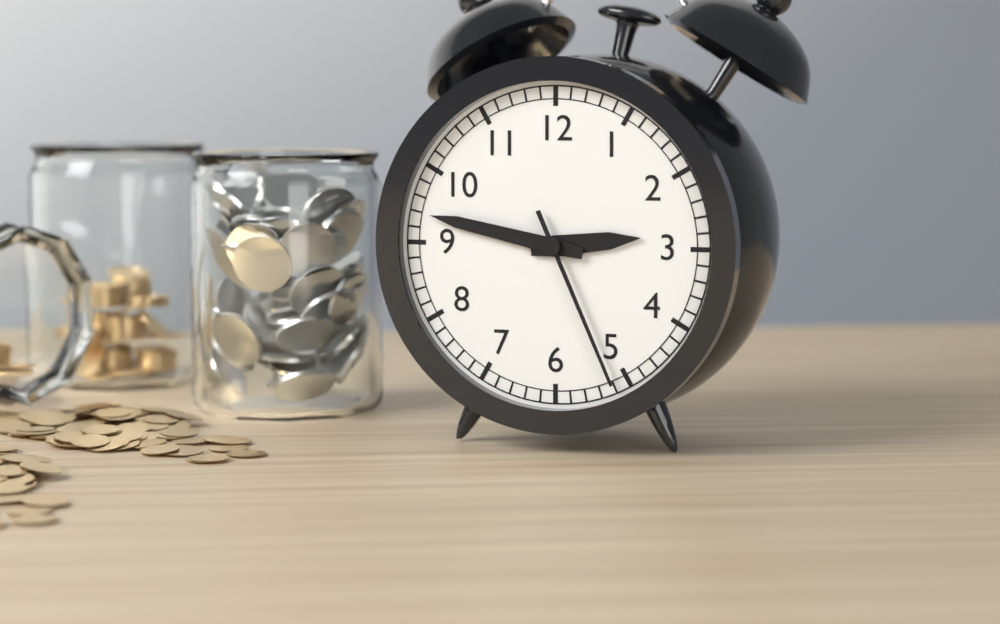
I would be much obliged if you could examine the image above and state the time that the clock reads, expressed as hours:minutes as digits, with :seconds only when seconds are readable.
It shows 2:47:26
